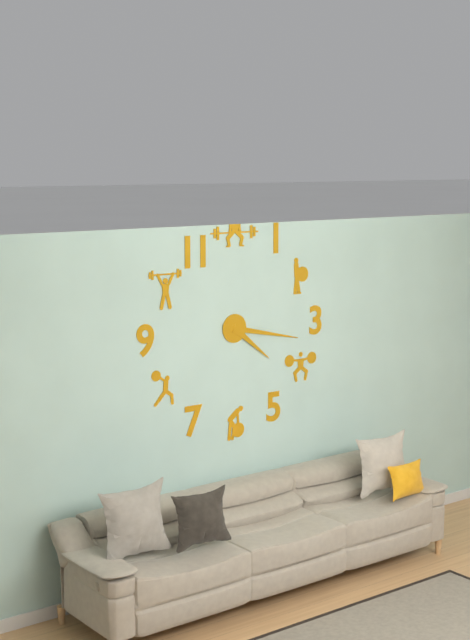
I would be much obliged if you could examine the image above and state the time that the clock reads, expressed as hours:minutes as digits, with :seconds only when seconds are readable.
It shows 4:17
